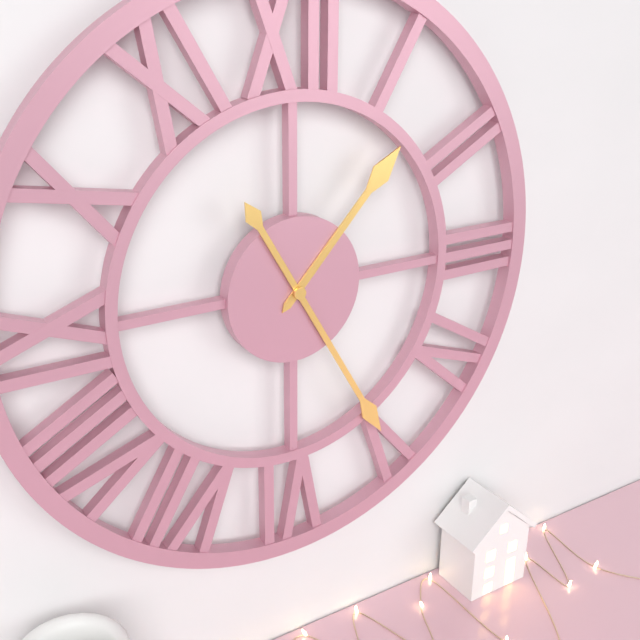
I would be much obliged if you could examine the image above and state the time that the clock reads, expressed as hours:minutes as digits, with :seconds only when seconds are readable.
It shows 1:25
